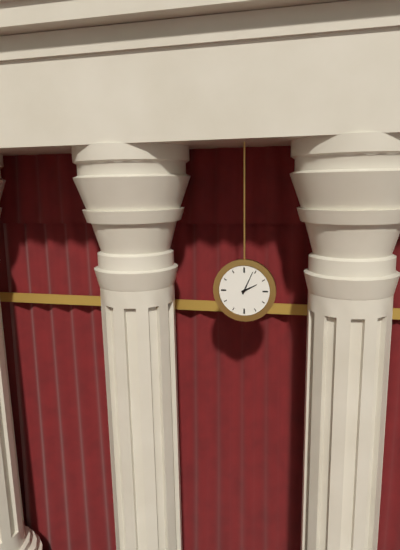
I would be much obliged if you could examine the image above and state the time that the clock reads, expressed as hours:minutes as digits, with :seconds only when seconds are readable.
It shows 2:04
